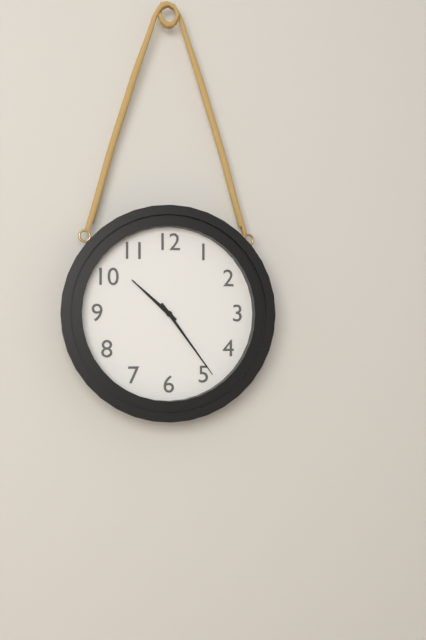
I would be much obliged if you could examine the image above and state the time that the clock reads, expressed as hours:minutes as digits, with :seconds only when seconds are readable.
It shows 10:24
